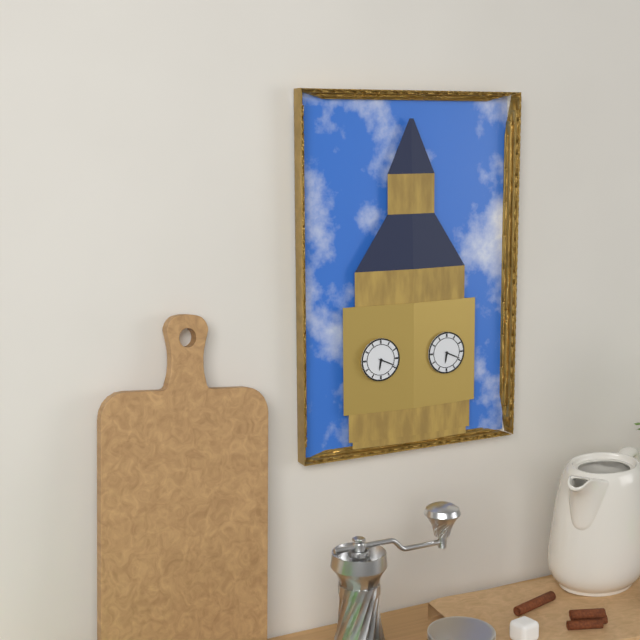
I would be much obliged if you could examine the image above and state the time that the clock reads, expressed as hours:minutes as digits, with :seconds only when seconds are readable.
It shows 6:19
